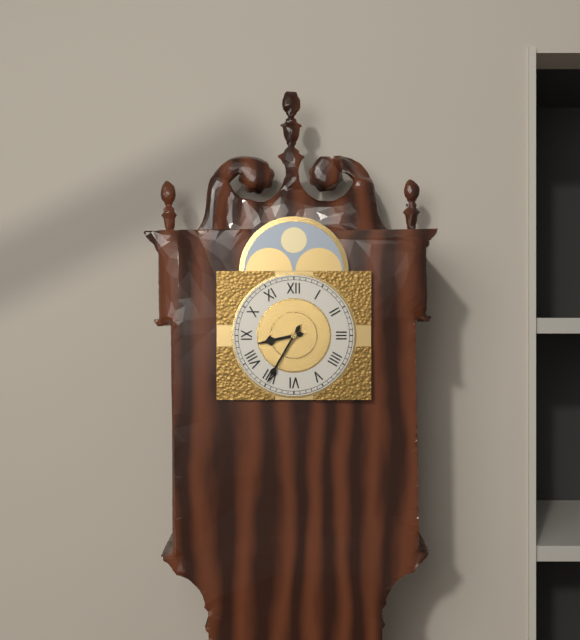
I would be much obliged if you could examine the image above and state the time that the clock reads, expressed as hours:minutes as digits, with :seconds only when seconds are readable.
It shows 8:35
